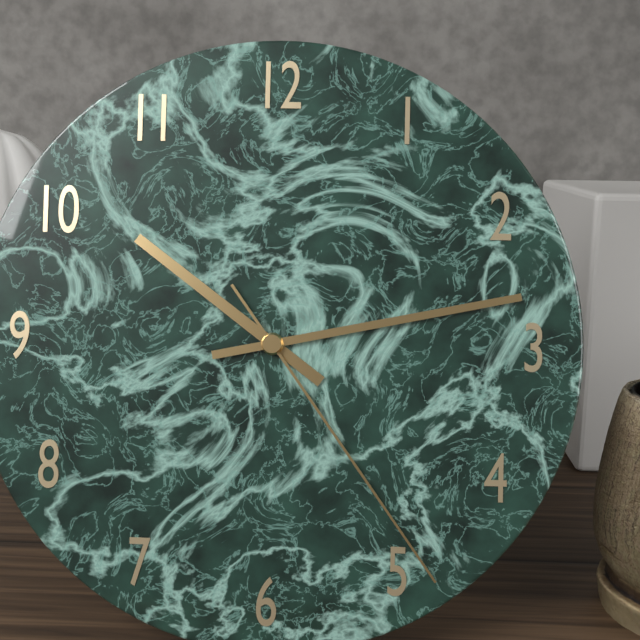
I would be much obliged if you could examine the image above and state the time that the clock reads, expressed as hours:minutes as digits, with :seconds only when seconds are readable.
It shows 10:13:24
